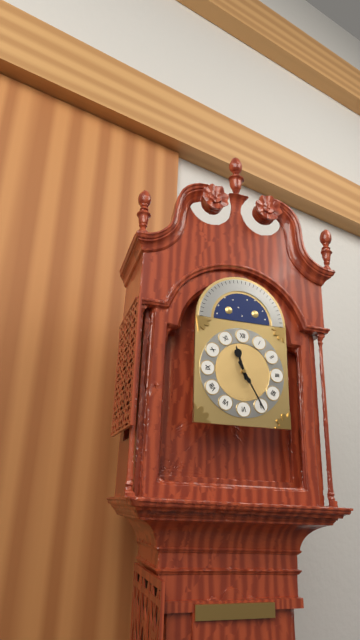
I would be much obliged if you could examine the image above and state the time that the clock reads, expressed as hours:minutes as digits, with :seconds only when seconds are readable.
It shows 11:25
